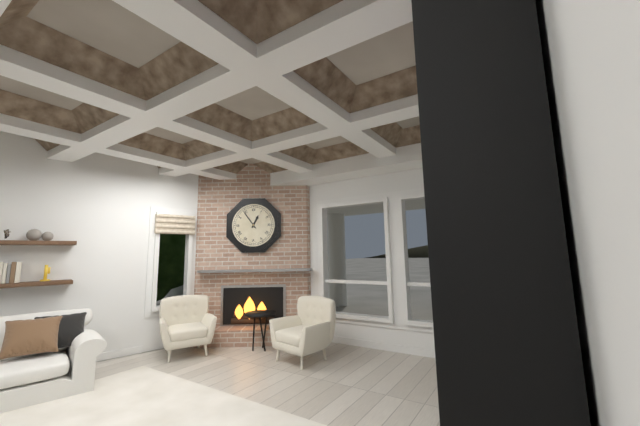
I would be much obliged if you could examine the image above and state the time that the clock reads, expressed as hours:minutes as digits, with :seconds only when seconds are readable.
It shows 12:54
